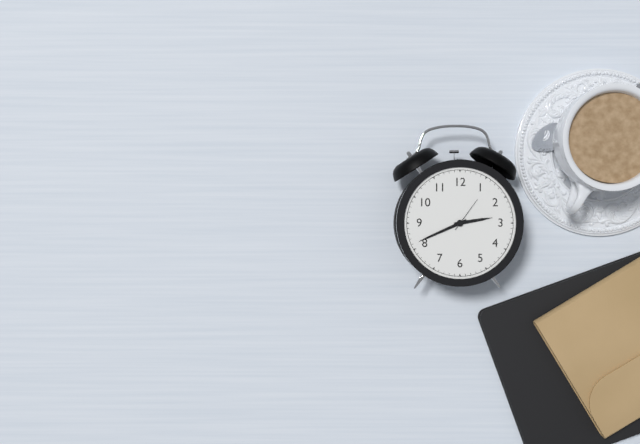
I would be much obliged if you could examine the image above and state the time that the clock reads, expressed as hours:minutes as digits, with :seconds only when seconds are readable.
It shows 2:41
